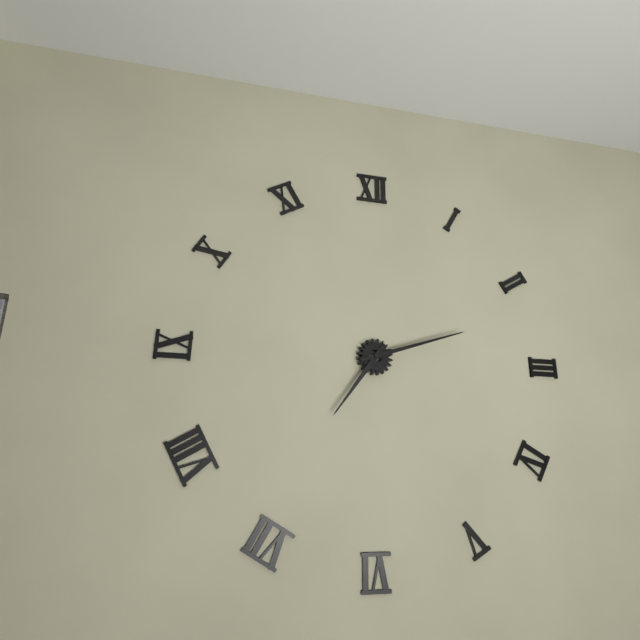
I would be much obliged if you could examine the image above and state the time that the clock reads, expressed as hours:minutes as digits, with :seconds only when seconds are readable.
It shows 7:12
